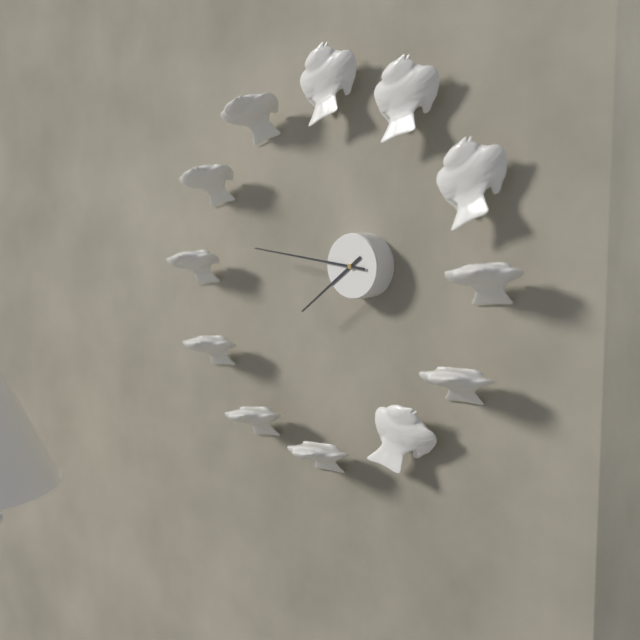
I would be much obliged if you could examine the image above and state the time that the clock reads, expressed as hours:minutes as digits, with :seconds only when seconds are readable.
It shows 7:46
